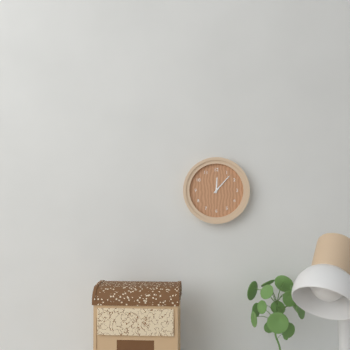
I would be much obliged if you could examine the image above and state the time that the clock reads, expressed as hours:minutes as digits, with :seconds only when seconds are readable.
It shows 12:07
